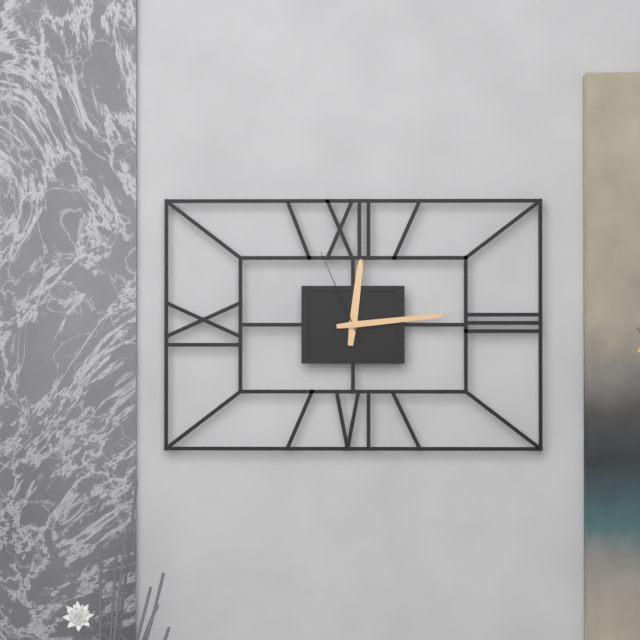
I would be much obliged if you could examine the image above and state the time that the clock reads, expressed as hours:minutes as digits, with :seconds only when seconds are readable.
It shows 12:14:56
